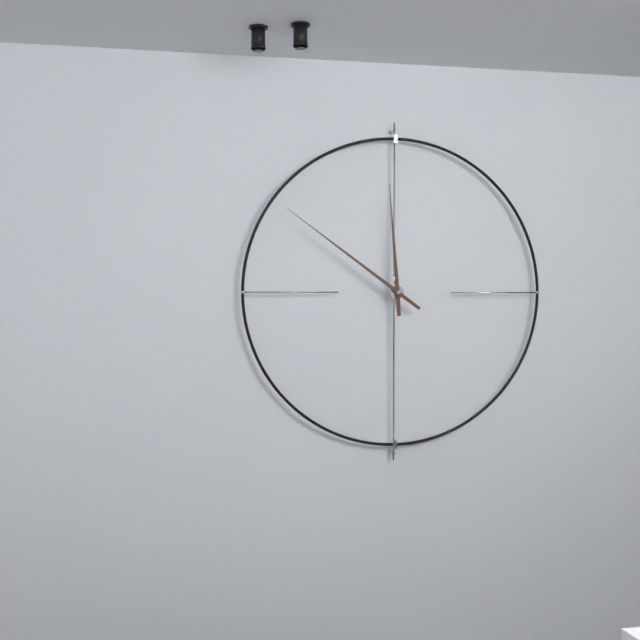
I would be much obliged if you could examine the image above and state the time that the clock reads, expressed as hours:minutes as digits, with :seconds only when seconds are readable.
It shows 11:51
